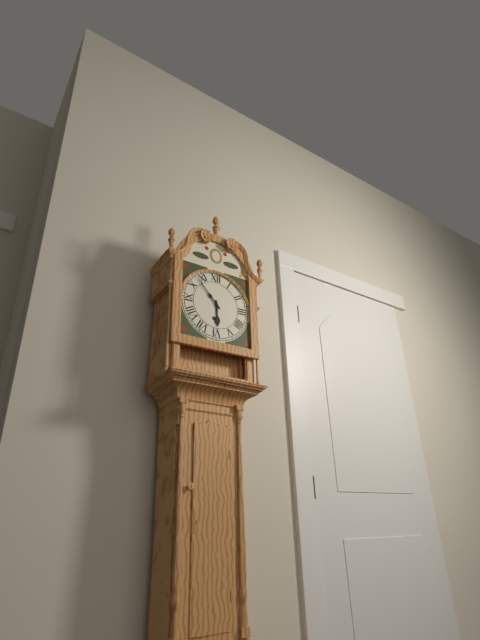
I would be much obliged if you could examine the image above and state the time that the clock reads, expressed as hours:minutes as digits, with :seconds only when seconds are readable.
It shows 5:53
